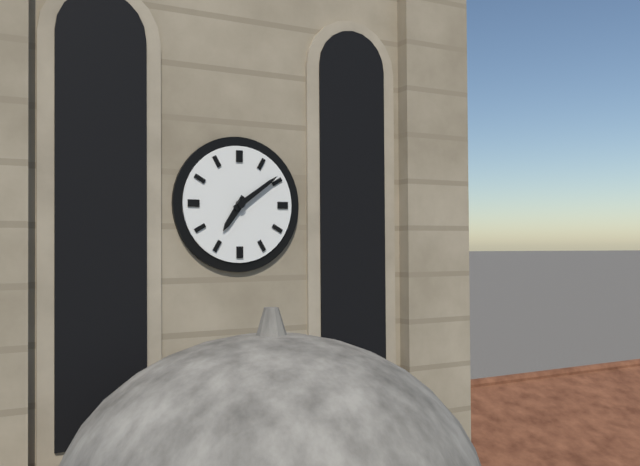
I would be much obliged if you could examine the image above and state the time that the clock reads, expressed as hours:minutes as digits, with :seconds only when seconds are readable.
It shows 7:09
